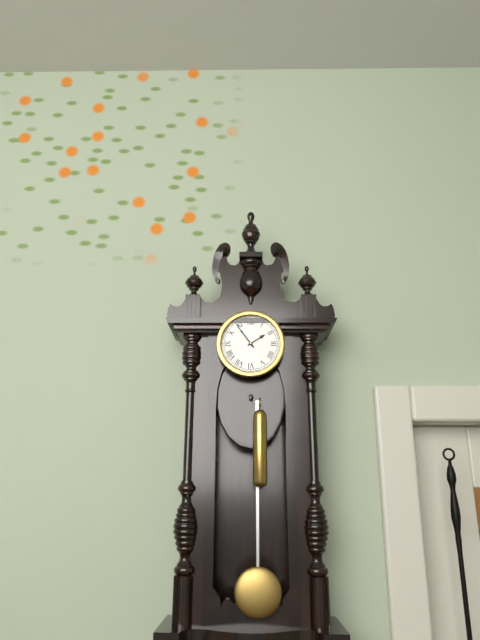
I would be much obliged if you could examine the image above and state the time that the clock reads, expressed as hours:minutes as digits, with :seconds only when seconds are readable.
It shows 1:54
